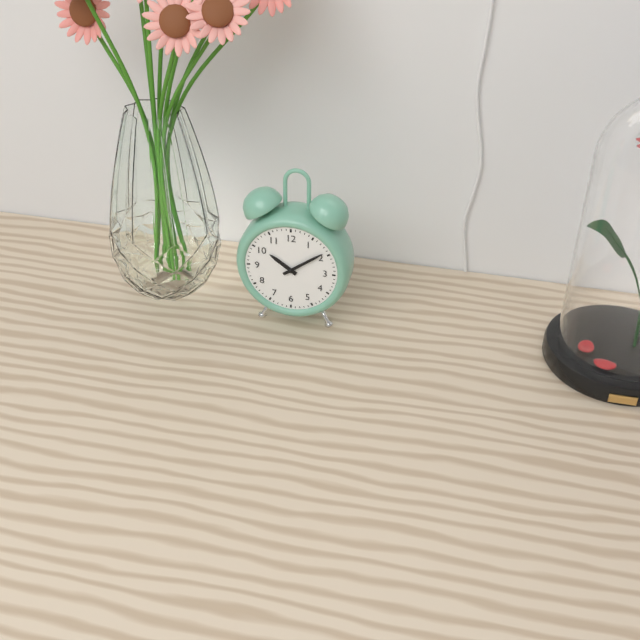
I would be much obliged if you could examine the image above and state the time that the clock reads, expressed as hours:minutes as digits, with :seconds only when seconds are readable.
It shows 10:09
